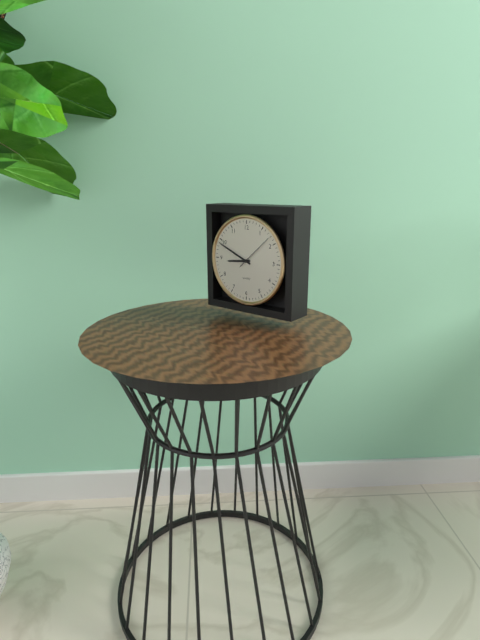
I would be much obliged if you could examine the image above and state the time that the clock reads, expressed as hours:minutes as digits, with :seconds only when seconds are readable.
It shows 8:49
